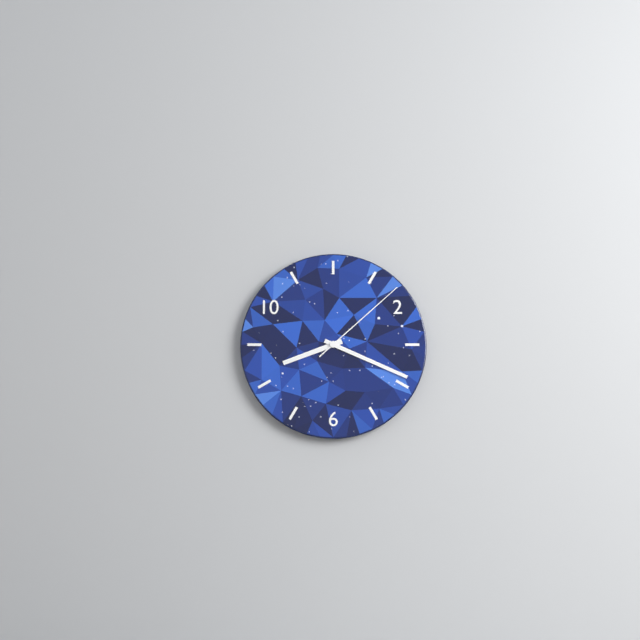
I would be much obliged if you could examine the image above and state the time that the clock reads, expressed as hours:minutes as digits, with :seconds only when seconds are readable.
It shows 8:19:08
